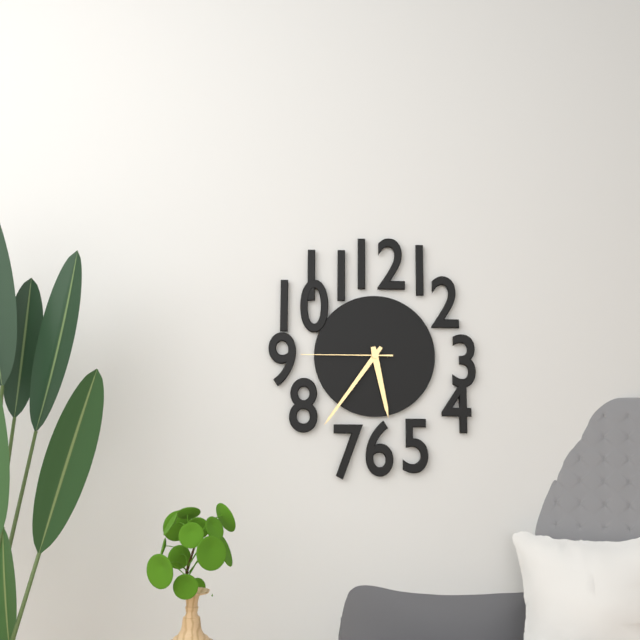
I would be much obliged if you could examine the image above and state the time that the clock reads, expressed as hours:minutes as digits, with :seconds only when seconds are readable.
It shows 5:36:45
